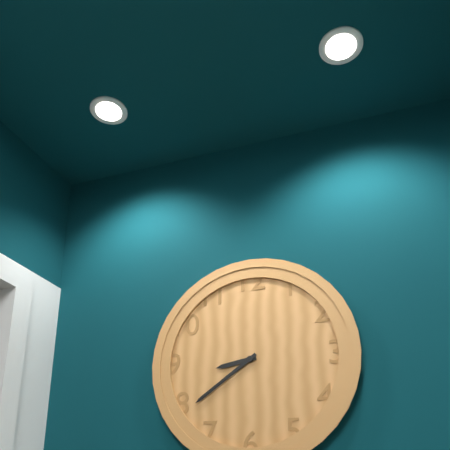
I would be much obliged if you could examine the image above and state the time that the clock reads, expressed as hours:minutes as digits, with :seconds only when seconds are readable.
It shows 8:39
